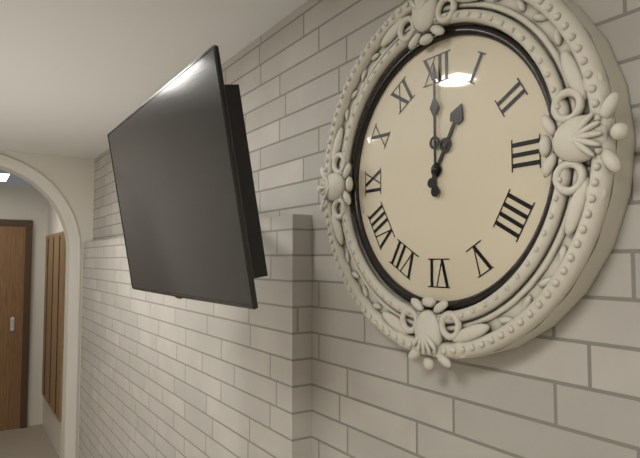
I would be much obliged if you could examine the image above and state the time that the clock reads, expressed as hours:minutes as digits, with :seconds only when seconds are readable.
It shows 1:00
